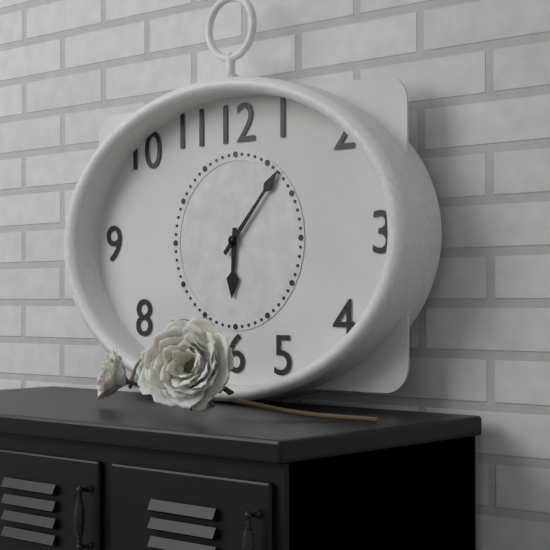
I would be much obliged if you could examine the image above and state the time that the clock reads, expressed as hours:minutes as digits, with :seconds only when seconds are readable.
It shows 6:07
